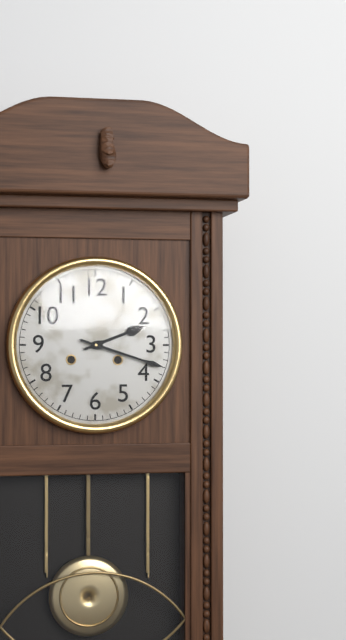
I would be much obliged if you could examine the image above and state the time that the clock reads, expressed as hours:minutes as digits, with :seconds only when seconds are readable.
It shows 2:18
